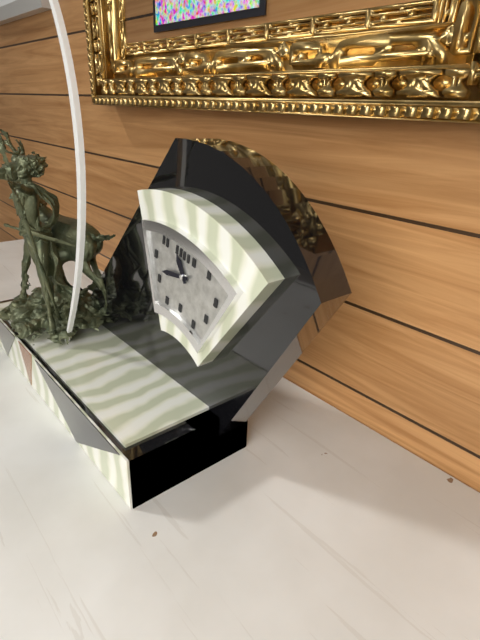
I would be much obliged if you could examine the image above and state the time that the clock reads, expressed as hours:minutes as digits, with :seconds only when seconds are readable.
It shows 10:42
